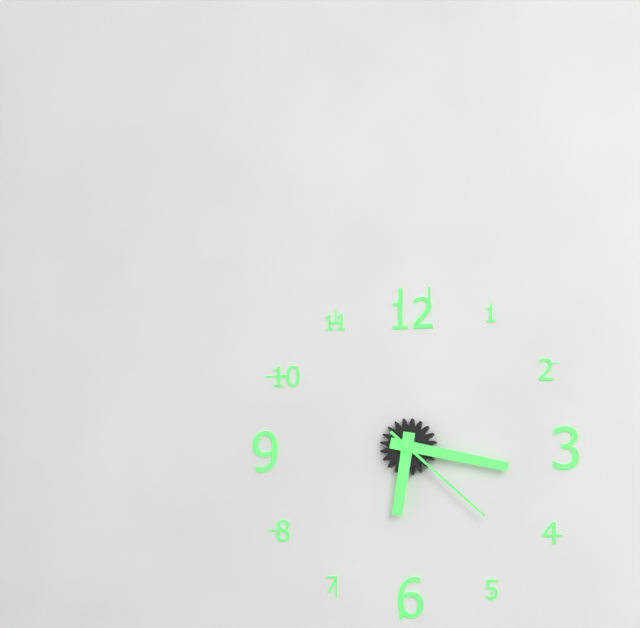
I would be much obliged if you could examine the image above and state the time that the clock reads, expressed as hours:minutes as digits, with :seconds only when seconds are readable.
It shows 6:17:22
